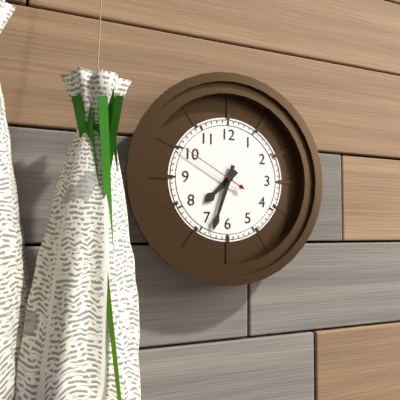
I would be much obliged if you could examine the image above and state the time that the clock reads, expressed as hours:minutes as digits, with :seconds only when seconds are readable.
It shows 7:33:50
